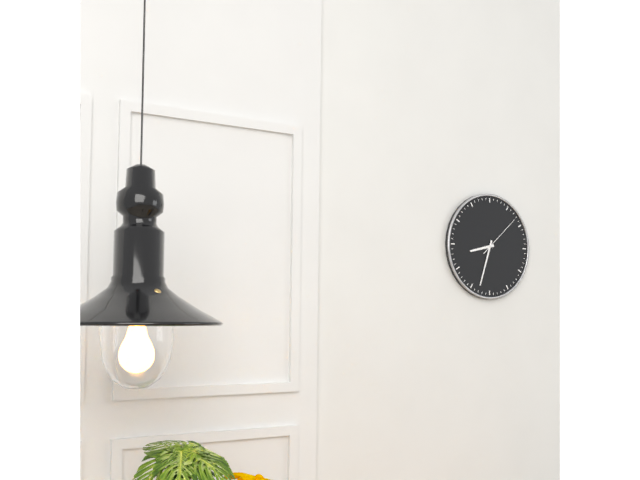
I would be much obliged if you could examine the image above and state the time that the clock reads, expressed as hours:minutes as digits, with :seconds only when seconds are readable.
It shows 8:33
